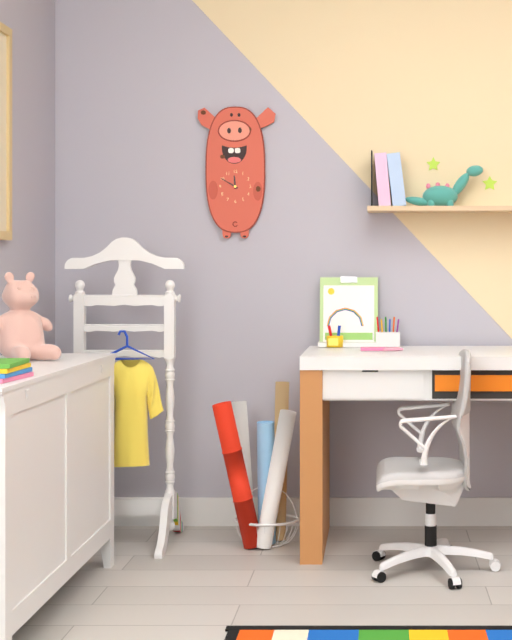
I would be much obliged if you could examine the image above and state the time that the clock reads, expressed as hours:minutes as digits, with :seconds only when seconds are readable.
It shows 11:50
